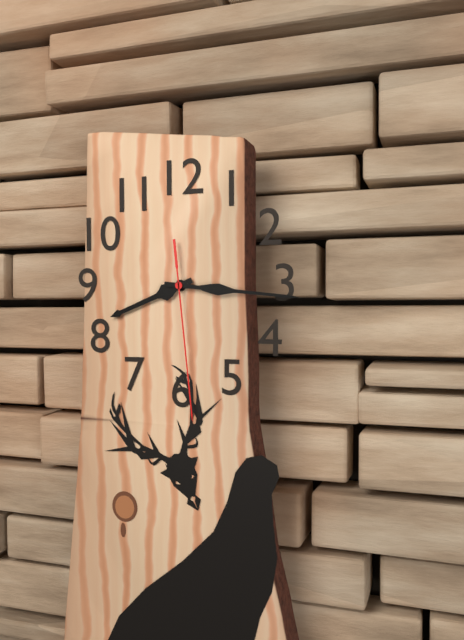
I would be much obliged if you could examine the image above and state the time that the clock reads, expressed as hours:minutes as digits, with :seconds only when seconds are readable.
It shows 8:16:29
